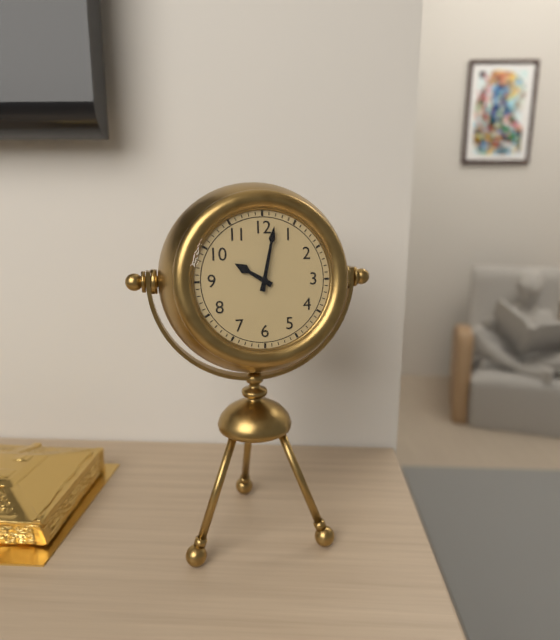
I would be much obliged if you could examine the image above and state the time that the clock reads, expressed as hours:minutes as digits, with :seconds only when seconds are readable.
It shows 10:02
